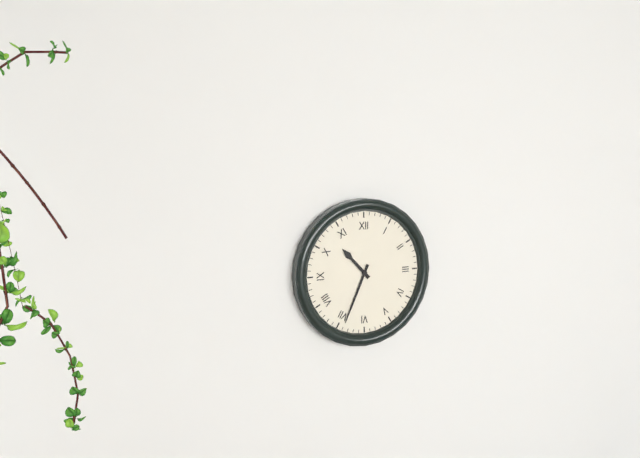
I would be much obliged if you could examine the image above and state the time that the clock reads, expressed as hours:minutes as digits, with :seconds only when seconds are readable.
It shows 10:34
